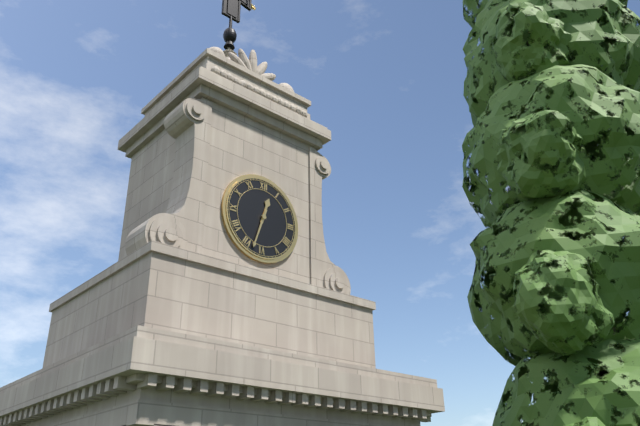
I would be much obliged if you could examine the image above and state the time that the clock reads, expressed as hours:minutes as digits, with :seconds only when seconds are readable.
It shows 12:33
